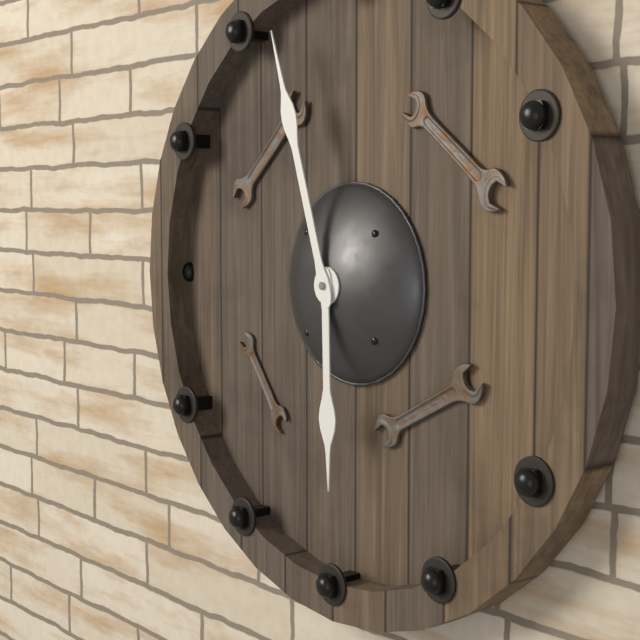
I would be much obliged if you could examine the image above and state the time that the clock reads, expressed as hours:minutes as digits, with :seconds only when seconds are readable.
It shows 5:57
